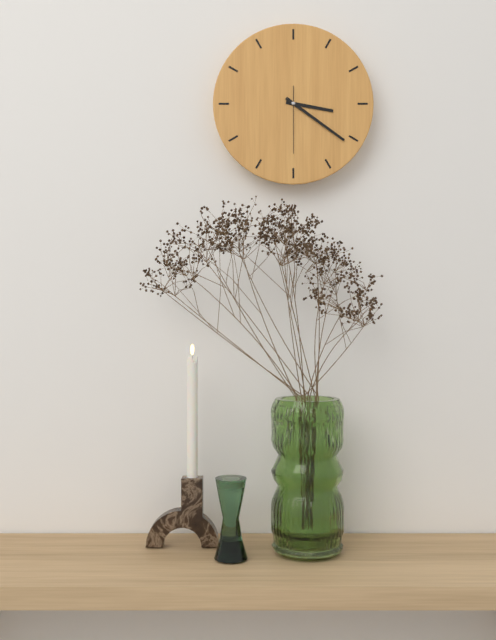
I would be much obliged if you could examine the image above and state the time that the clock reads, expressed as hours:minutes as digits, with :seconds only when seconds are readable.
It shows 3:21:30
